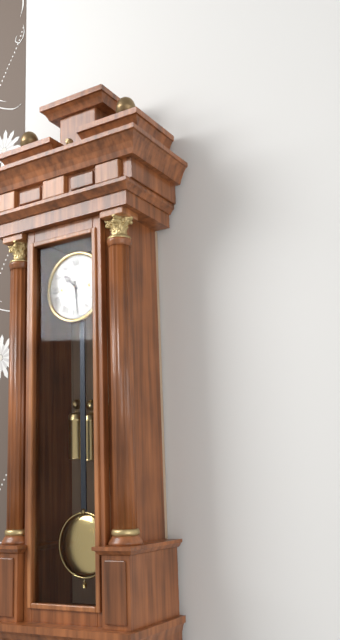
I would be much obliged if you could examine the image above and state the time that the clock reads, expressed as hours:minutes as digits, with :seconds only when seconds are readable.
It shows 10:29
